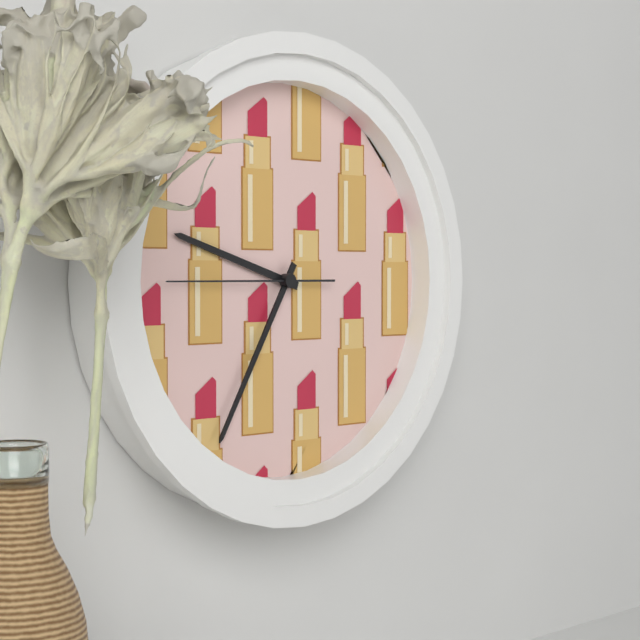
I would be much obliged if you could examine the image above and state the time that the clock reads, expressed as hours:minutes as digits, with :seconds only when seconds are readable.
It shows 9:35:45
